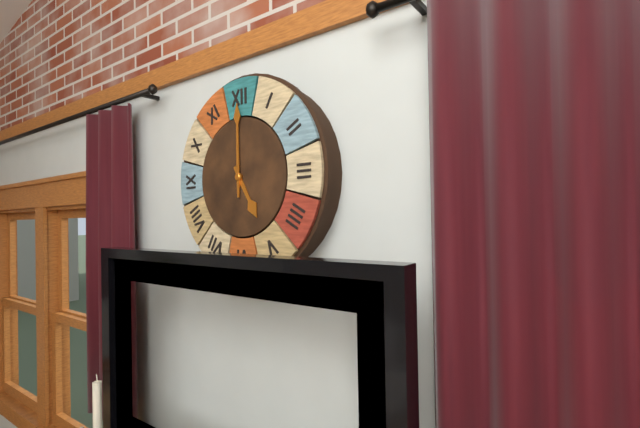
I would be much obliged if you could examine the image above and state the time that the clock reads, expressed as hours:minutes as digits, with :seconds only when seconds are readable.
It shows 5:00
